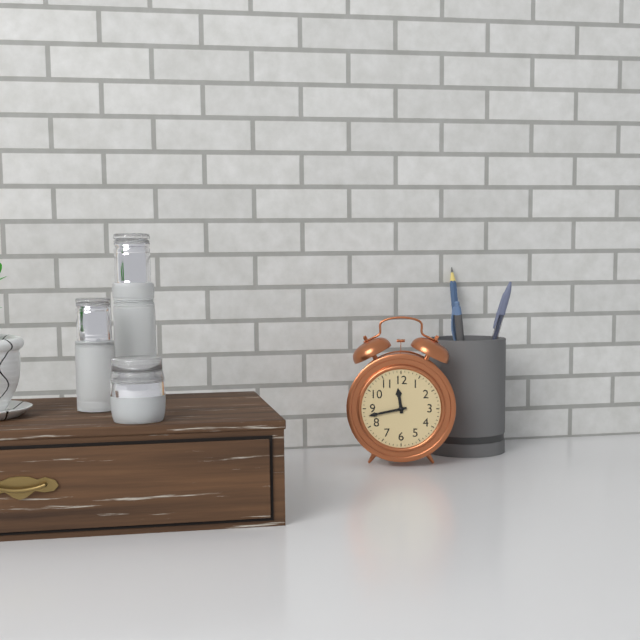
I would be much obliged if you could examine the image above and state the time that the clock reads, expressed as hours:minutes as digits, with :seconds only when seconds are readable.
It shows 11:43
